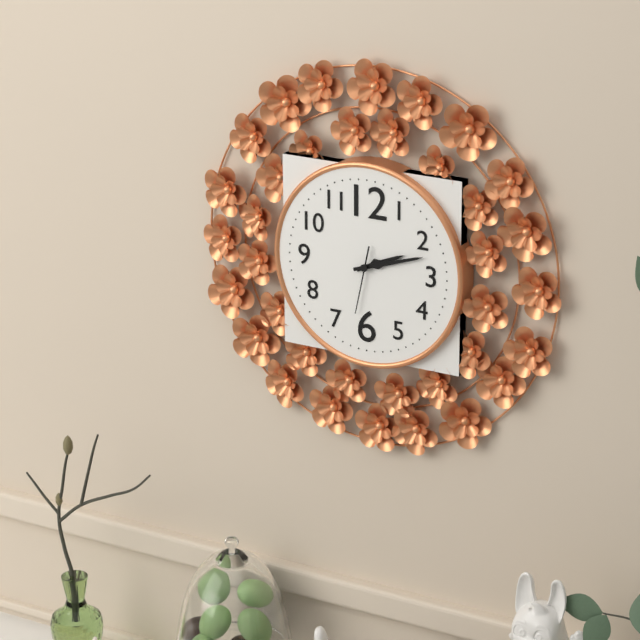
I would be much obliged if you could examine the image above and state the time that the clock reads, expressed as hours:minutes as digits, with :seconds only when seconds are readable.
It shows 2:12:32
